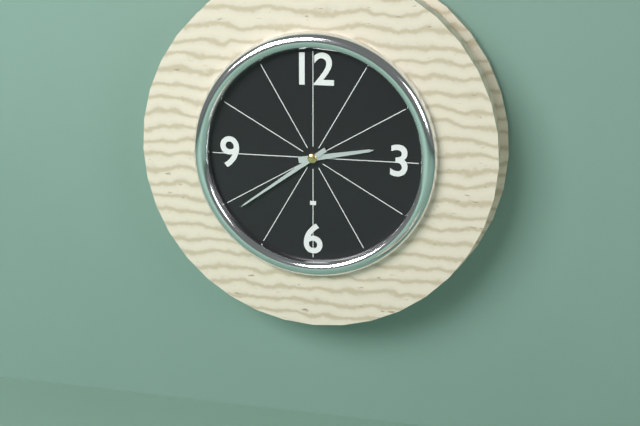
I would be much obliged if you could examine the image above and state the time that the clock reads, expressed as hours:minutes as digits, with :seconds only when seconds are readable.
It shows 2:39
